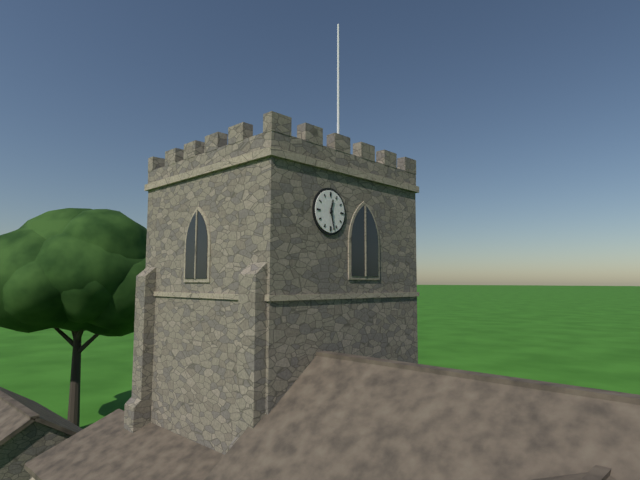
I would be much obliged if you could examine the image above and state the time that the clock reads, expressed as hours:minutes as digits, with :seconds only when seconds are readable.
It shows 12:28
